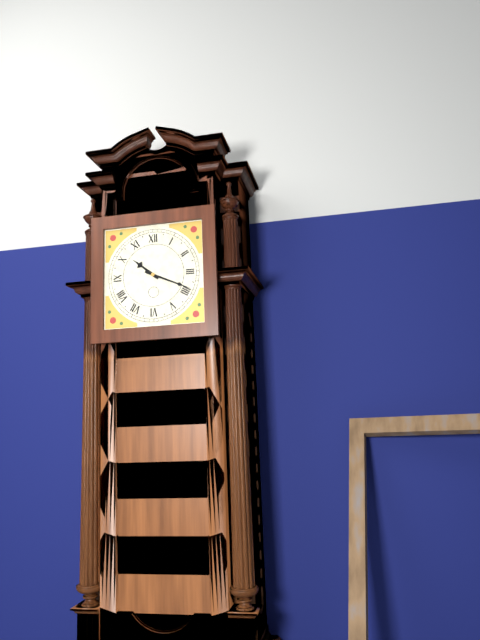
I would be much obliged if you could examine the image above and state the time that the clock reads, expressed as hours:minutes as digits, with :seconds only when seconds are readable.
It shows 10:19
